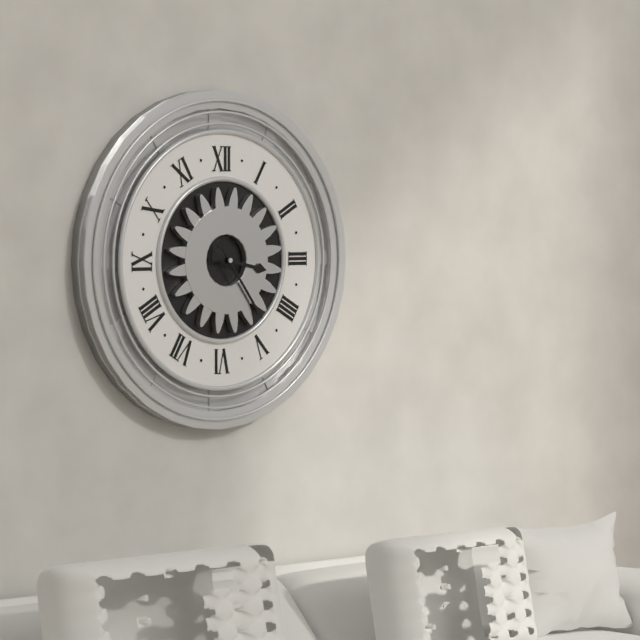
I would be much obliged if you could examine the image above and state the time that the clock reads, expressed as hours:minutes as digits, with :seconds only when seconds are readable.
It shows 3:24
